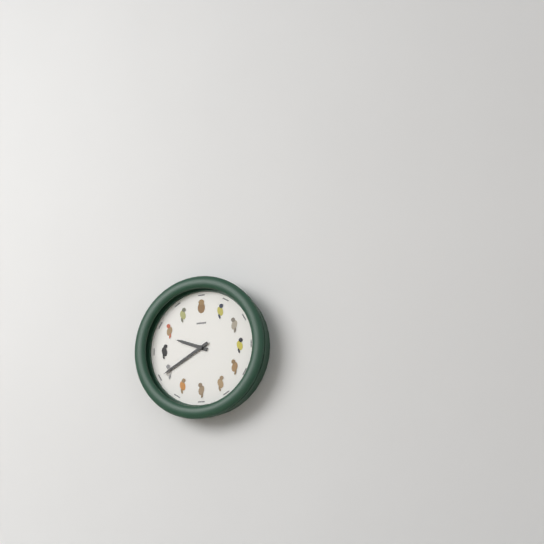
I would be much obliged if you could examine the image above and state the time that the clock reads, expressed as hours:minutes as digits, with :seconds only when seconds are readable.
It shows 9:40
